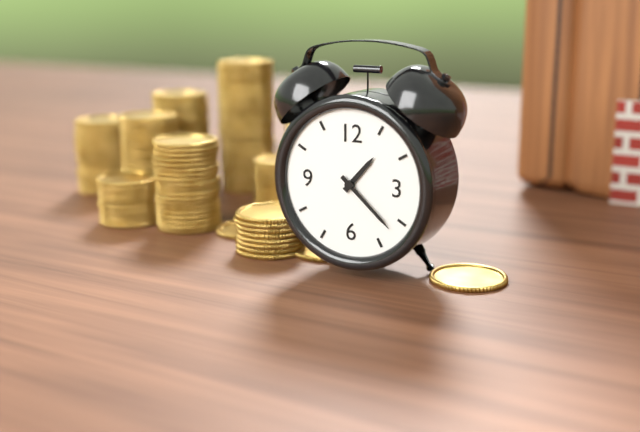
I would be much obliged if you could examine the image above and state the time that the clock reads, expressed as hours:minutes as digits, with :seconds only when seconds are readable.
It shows 1:22
